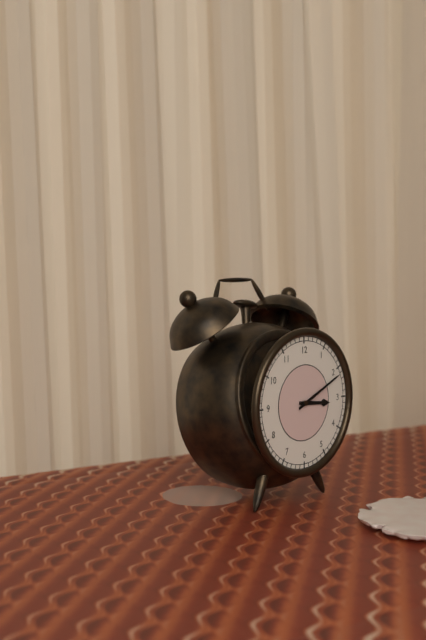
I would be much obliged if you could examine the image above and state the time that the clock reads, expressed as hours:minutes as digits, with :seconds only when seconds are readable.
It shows 3:11
